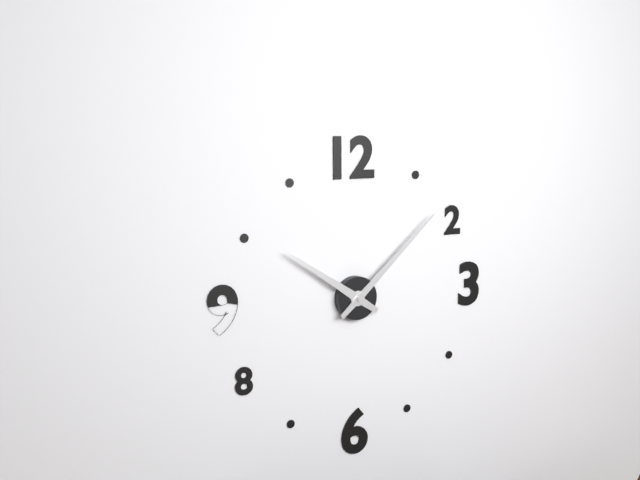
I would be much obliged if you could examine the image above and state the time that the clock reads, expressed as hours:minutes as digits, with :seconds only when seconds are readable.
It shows 10:08
